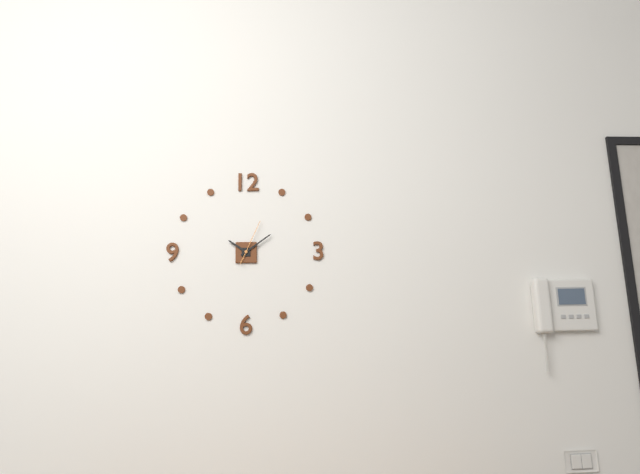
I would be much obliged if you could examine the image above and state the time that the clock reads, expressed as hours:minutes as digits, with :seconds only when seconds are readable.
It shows 10:09
